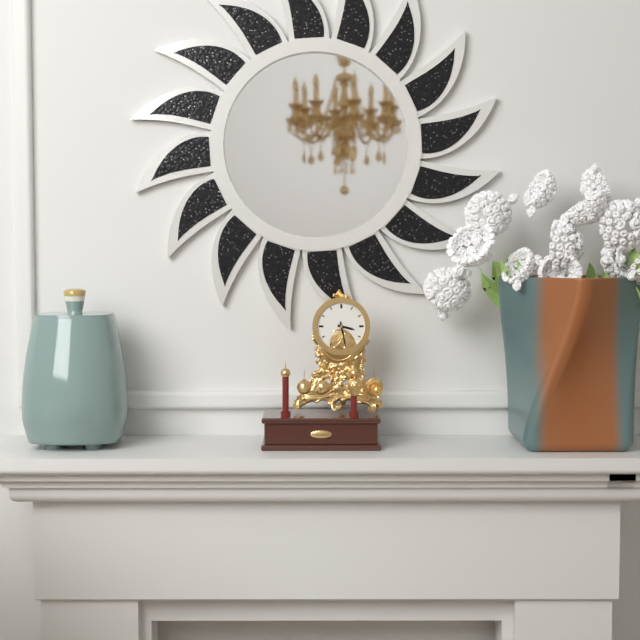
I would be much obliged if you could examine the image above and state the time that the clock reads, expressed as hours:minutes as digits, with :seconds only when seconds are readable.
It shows 3:28
